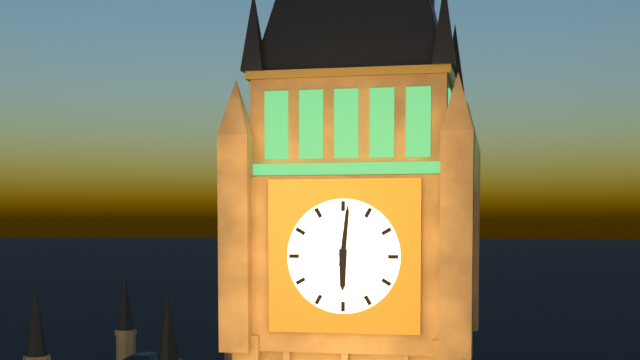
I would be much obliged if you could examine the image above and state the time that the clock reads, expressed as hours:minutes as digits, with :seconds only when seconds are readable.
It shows 6:01
